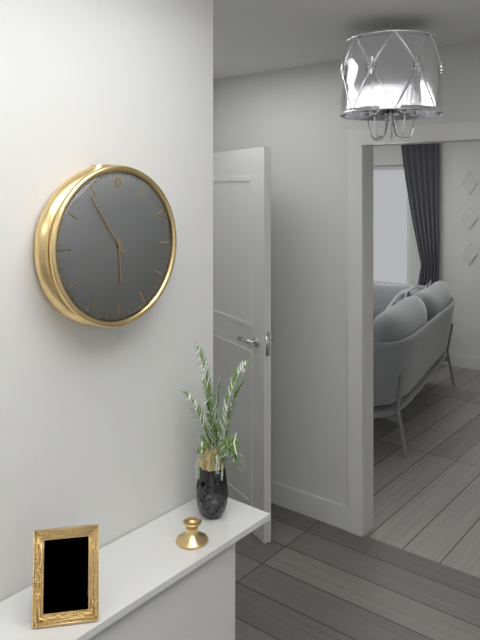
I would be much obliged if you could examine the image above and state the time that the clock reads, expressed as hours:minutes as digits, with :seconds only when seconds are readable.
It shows 5:54
